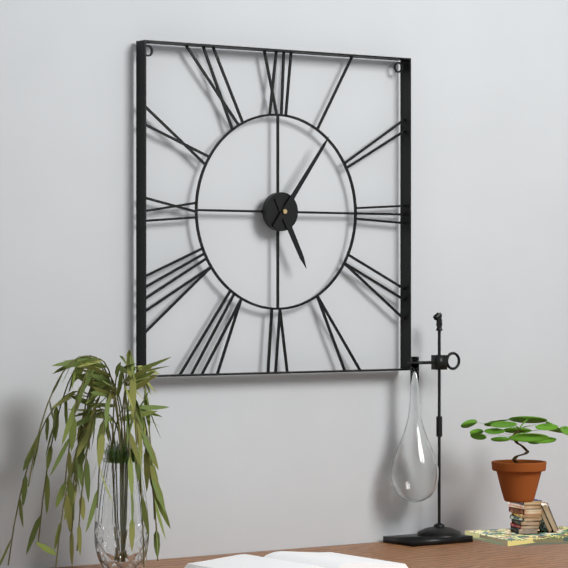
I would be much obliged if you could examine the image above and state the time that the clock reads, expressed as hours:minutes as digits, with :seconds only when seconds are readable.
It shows 5:06
